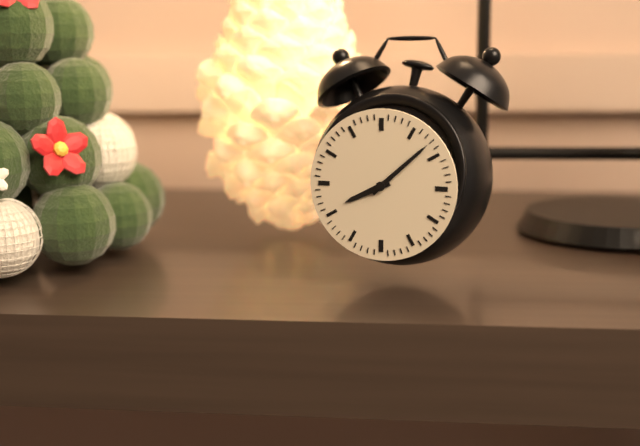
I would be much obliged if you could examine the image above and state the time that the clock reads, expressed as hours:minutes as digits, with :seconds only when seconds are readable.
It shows 8:08
